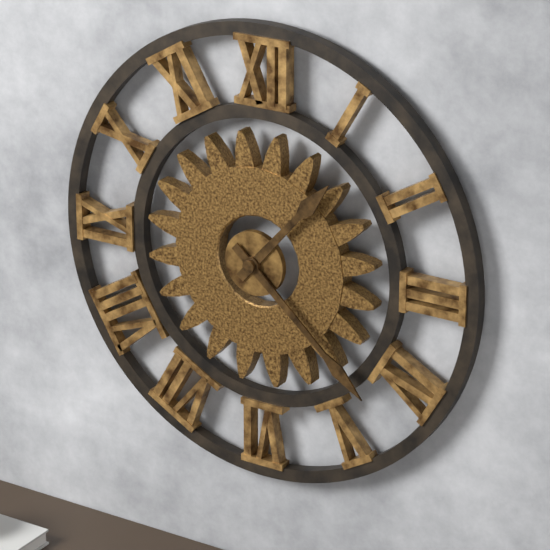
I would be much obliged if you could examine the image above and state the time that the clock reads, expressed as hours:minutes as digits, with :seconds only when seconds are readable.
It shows 1:22
